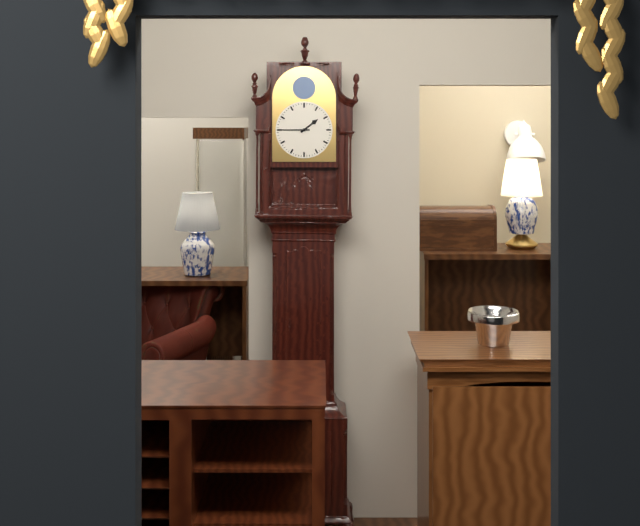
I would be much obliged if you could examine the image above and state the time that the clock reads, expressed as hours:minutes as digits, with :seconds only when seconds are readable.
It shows 1:45
